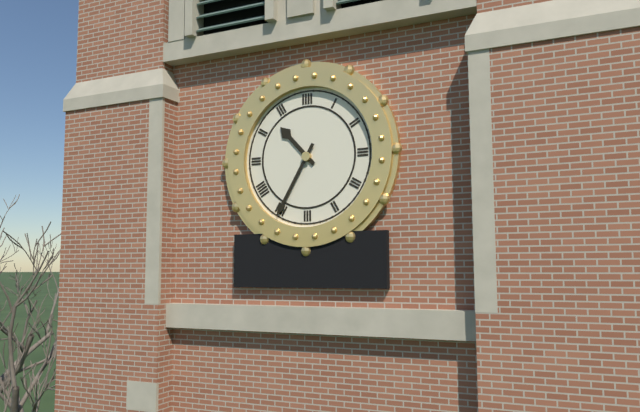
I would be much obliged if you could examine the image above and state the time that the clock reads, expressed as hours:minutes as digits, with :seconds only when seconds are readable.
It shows 10:35
